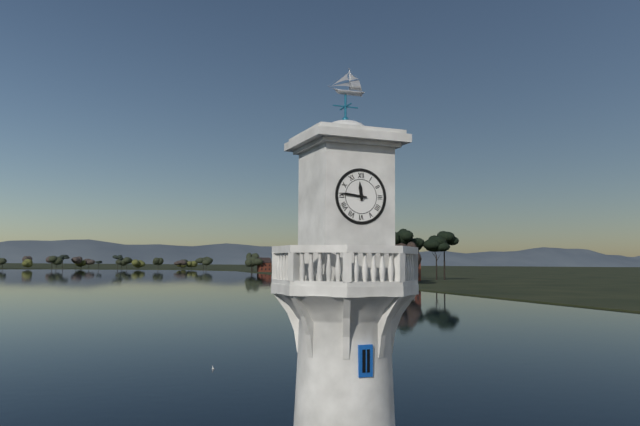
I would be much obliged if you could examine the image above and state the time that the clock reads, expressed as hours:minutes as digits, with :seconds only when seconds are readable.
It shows 11:46
